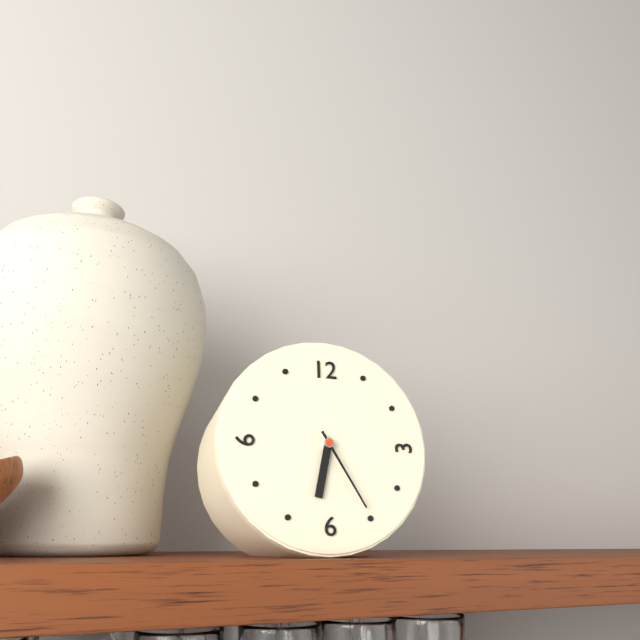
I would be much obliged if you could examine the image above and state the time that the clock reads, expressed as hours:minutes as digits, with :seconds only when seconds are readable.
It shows 6:25
